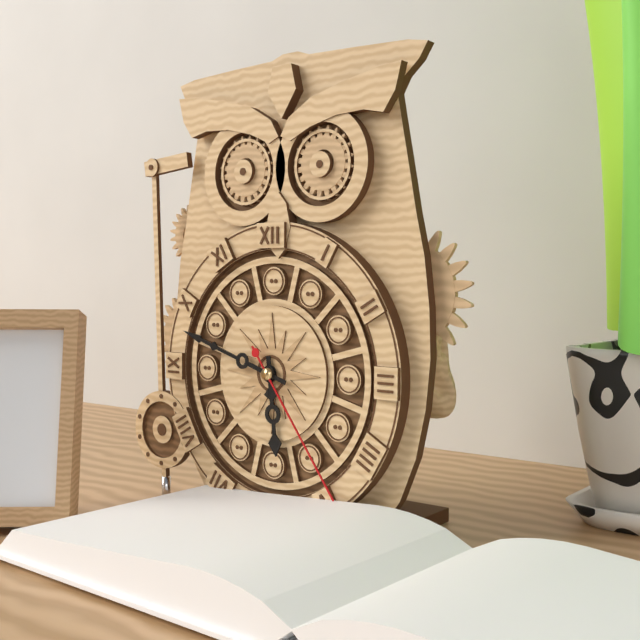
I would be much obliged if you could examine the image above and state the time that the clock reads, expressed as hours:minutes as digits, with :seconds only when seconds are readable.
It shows 5:48:24
